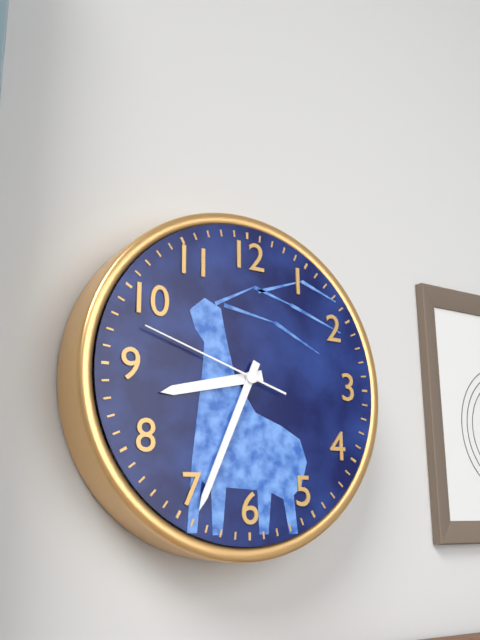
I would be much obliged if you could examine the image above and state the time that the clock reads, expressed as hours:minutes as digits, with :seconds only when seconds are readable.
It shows 8:34:48
